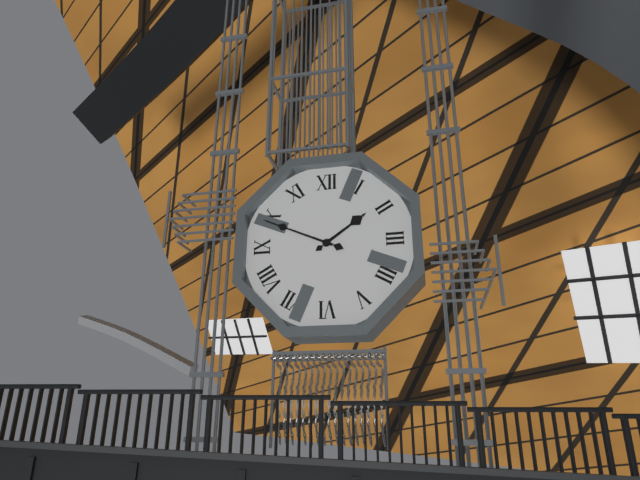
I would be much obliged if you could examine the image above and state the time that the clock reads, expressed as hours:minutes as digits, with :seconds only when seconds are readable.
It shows 1:49
